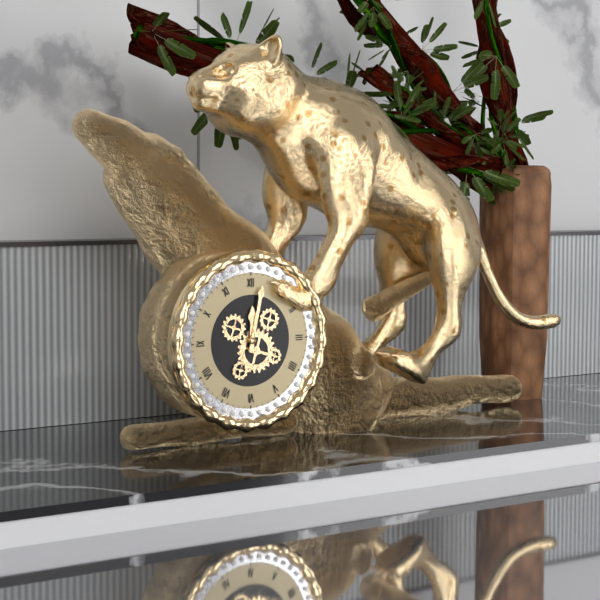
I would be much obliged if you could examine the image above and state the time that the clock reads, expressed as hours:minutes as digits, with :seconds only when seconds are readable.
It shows 12:02
